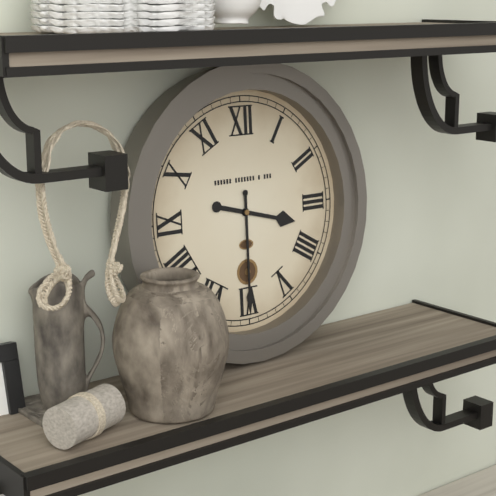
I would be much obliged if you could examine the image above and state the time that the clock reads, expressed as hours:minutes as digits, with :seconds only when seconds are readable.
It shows 3:30
